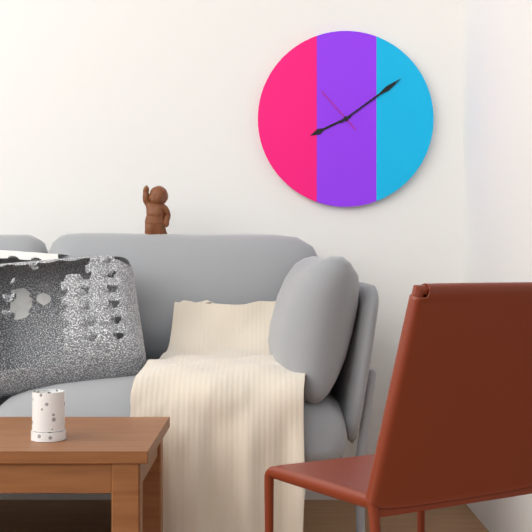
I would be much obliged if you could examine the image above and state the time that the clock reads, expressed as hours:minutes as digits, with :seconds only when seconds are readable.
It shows 8:09
